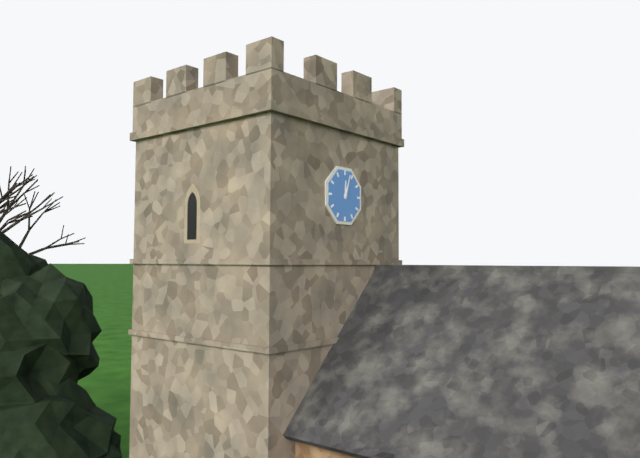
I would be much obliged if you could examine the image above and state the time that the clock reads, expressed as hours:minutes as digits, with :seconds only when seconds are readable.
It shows 12:03
